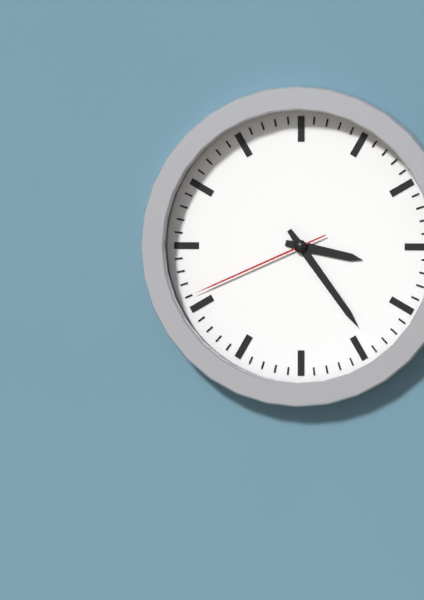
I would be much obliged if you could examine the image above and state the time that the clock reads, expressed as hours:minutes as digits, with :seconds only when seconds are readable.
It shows 3:24:41
